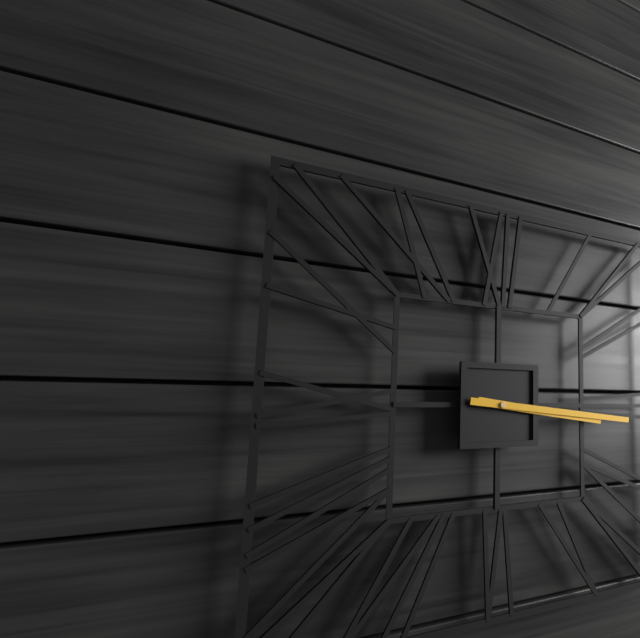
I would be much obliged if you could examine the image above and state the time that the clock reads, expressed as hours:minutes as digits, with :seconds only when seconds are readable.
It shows 3:16
